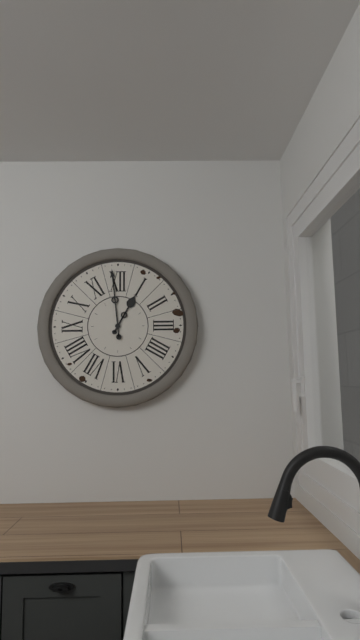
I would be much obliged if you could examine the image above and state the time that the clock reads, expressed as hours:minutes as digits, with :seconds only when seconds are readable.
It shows 12:59
